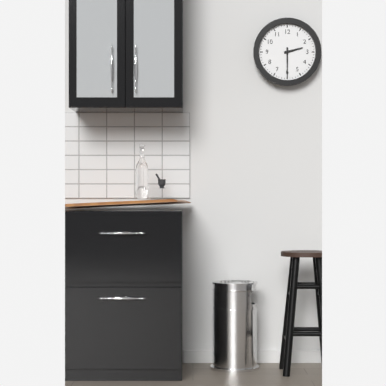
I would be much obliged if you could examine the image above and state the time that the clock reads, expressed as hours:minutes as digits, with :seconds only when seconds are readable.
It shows 2:30
